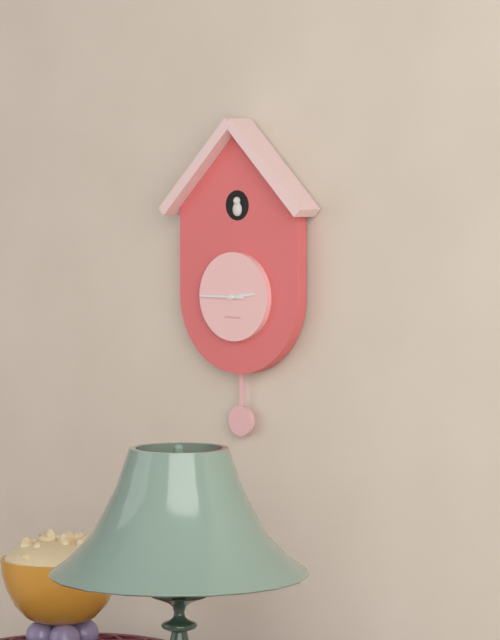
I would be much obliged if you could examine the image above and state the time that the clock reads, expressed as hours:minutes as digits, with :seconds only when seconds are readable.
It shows 2:45
